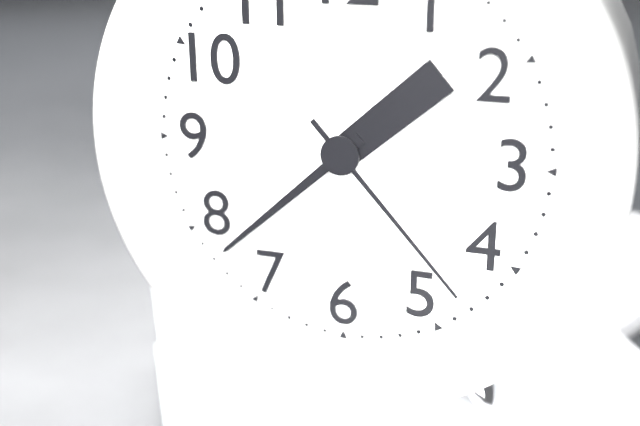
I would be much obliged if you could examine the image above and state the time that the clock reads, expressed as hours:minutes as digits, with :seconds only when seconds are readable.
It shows 1:38:23
